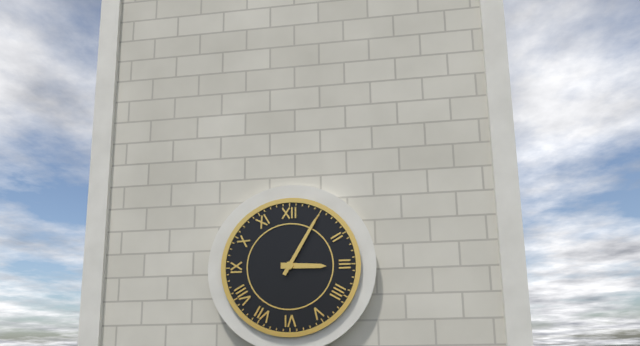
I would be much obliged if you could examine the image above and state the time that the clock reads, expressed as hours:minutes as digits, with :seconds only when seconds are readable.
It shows 3:05
